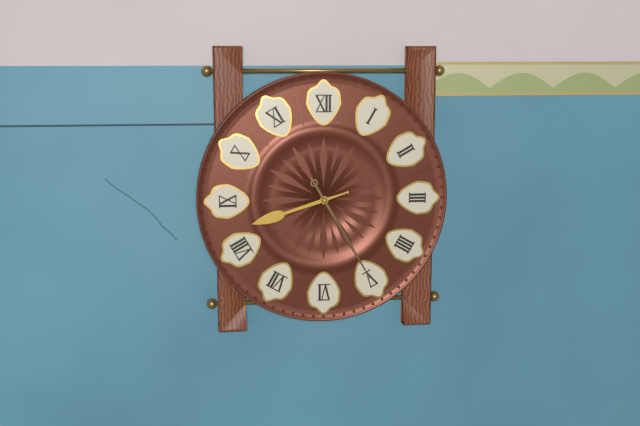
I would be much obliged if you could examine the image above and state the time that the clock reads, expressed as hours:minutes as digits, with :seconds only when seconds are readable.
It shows 8:25
